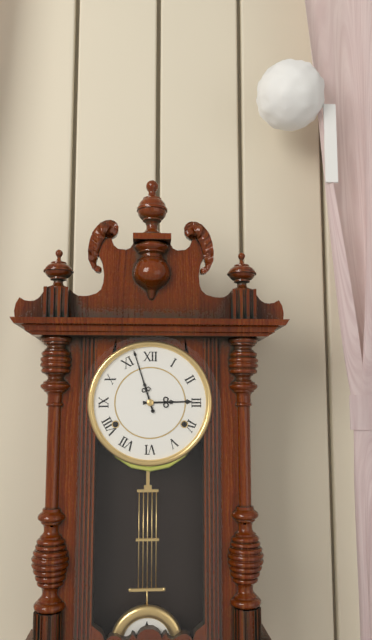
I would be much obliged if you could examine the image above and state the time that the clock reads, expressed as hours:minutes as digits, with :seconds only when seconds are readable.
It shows 2:57
